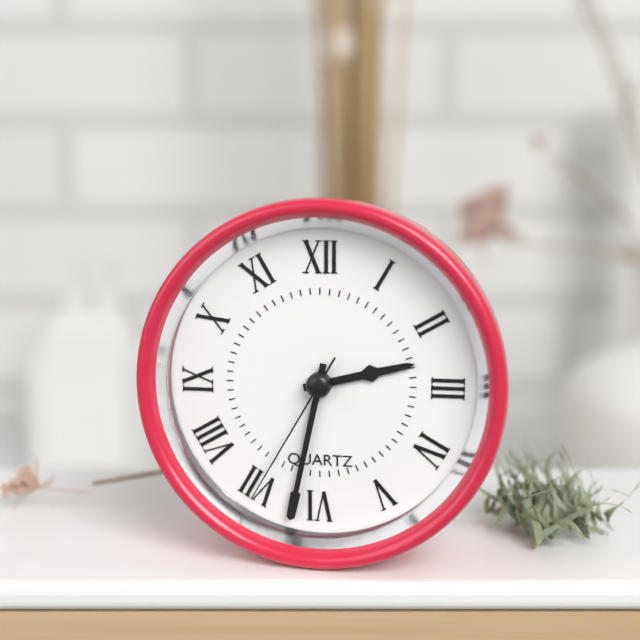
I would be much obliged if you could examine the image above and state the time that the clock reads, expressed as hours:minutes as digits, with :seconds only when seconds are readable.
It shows 2:32:35
